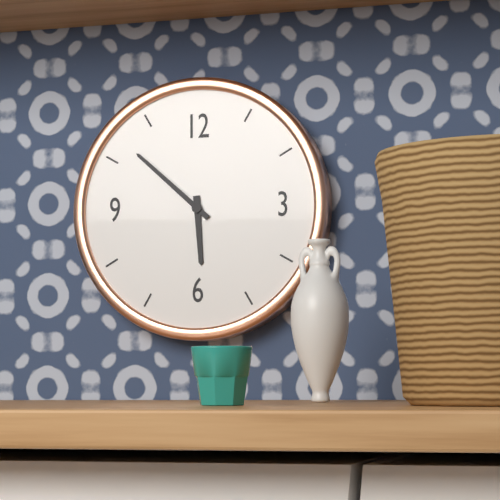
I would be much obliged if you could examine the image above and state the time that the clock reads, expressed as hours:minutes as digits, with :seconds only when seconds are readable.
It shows 5:52
